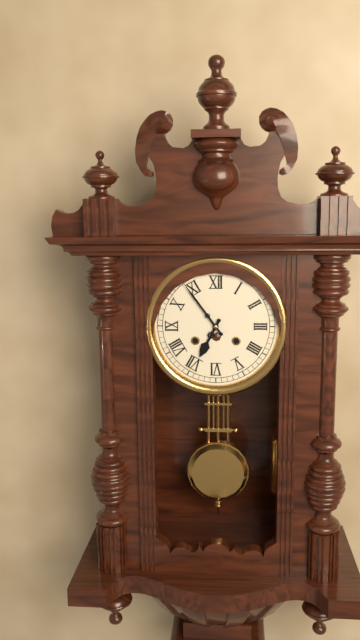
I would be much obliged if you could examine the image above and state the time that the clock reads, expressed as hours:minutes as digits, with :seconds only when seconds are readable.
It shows 6:54
